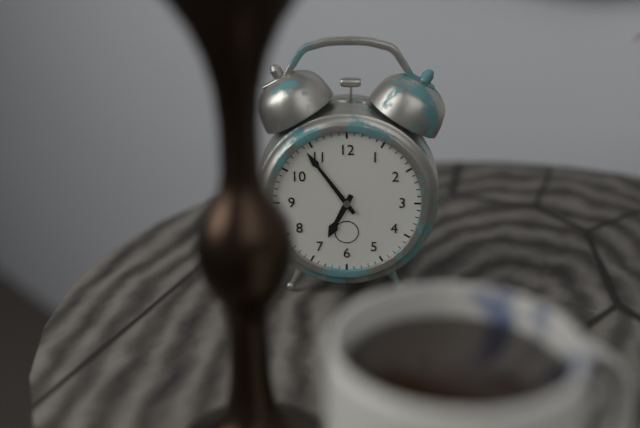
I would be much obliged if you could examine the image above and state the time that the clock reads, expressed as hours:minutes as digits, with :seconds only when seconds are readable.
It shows 6:54
